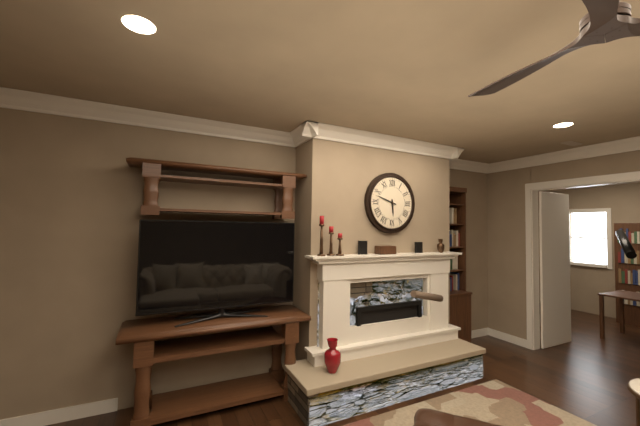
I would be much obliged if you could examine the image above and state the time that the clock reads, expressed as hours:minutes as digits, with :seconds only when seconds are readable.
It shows 5:48
